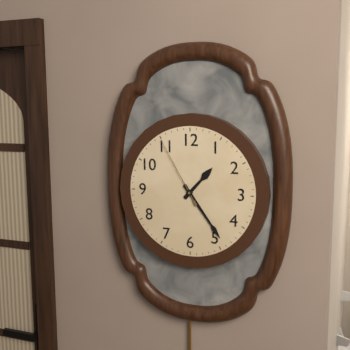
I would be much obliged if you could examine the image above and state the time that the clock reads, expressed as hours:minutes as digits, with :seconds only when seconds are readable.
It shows 1:24:55
